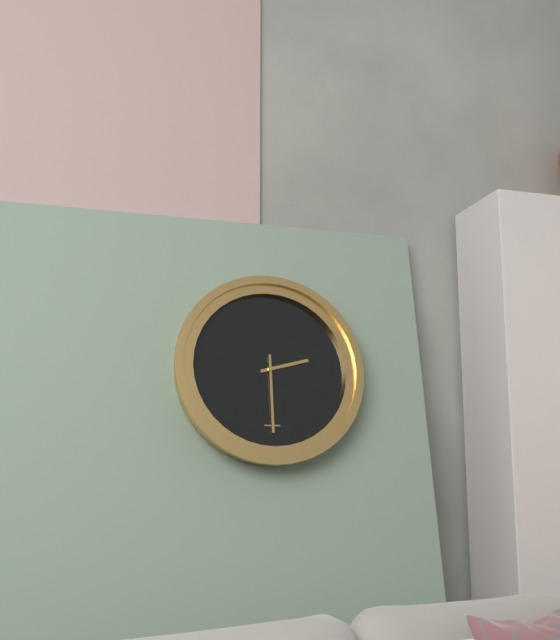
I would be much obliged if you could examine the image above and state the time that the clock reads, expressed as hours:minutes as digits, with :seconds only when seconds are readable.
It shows 2:30
